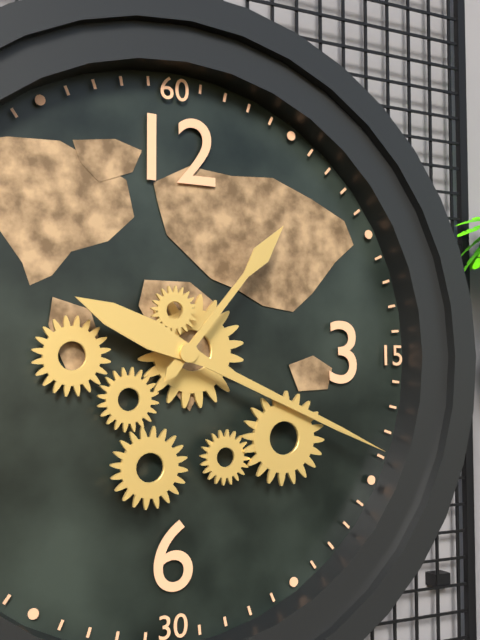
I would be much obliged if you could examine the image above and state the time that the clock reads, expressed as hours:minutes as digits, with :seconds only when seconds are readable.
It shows 1:19
